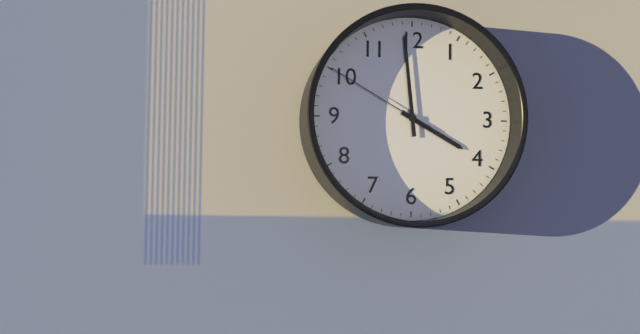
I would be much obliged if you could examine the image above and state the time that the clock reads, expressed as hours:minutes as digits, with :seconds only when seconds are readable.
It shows 3:59:50
